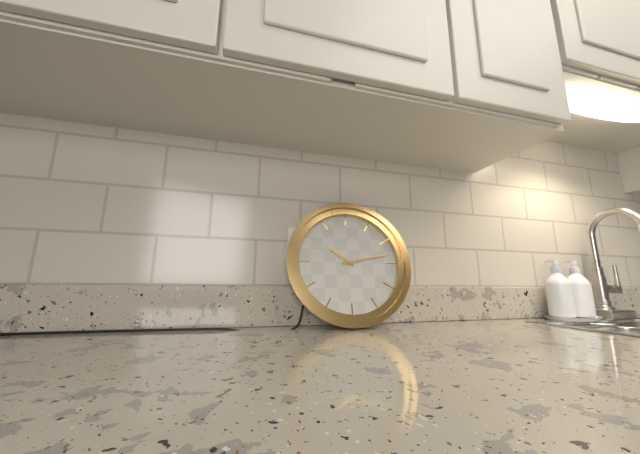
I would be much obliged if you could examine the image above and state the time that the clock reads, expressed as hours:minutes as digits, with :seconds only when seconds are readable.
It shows 10:13
